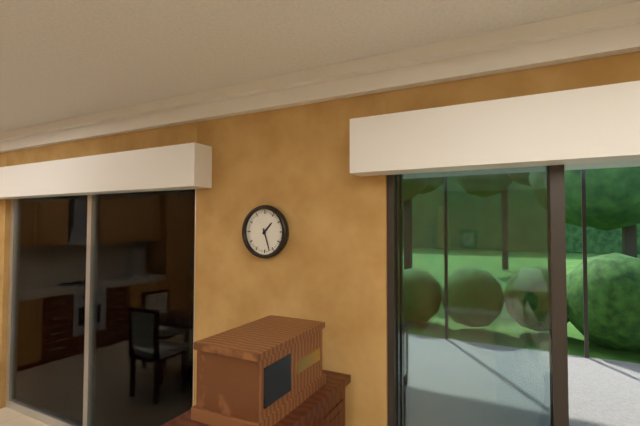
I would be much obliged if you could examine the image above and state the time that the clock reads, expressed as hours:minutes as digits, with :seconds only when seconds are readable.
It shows 1:27
